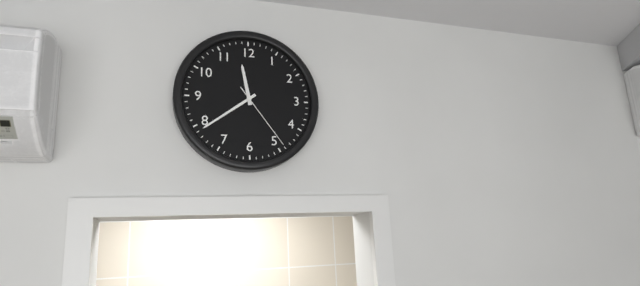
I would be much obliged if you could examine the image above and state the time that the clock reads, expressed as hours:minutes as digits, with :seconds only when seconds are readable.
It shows 11:39:24
